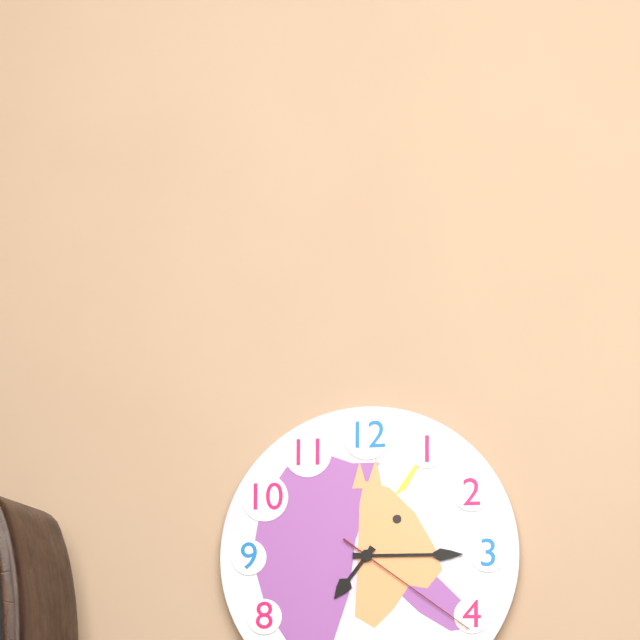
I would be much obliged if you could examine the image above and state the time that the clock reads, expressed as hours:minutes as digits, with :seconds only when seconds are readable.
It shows 7:15:21
